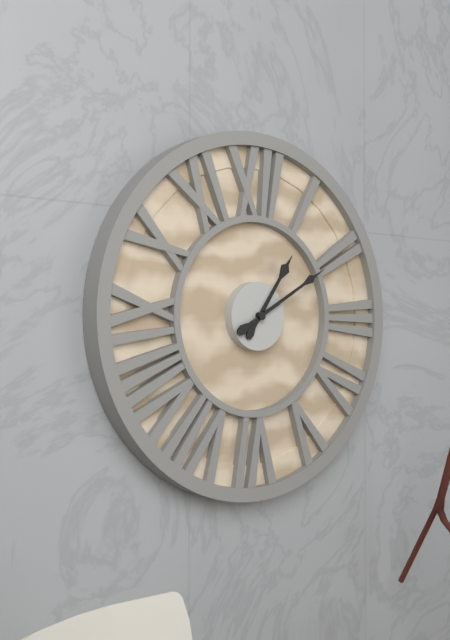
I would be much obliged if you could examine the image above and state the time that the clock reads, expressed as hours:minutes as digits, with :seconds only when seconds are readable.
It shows 1:10
